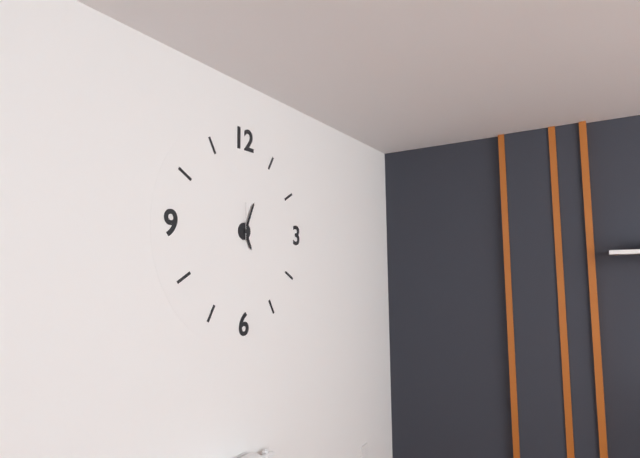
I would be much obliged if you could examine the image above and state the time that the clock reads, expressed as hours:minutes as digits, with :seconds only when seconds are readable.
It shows 5:04
